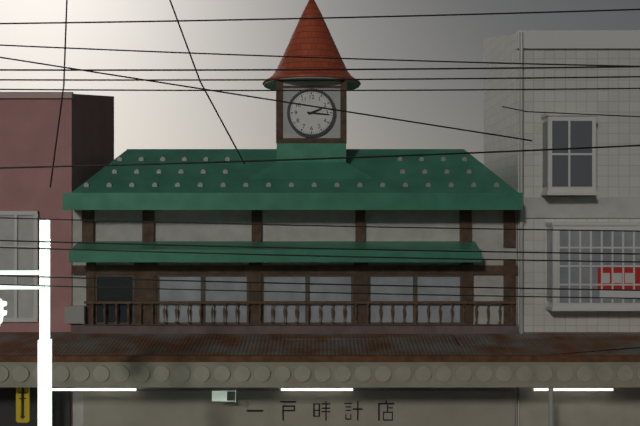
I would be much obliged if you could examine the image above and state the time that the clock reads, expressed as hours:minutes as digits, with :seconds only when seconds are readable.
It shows 2:16
